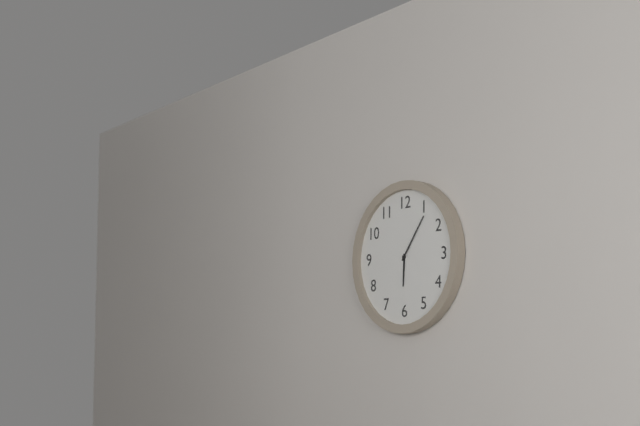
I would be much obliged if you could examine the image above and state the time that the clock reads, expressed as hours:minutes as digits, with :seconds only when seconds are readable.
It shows 6:06
